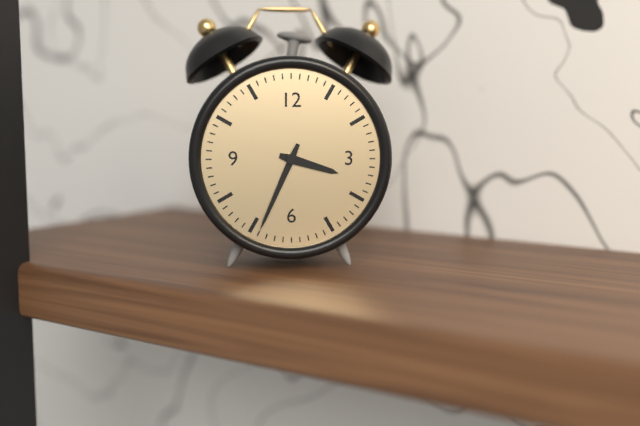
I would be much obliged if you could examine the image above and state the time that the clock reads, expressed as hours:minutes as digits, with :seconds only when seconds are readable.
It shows 3:34
